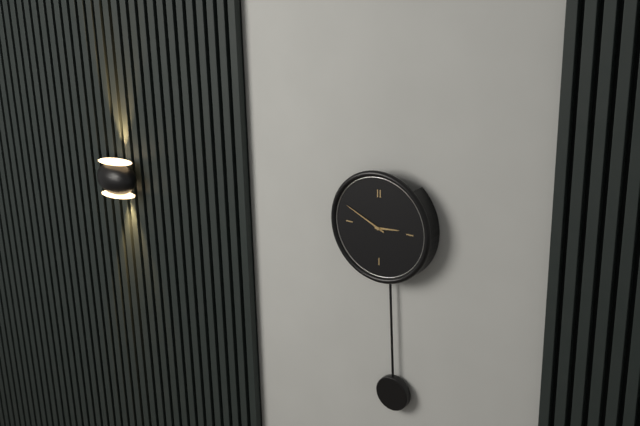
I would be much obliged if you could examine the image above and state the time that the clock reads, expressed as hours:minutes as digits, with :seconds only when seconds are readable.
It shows 2:49
